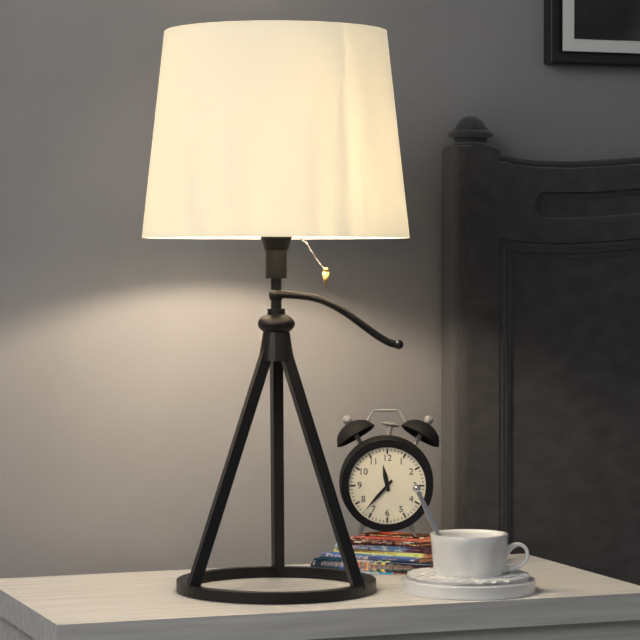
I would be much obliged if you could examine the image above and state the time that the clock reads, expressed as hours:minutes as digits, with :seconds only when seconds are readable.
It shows 11:37
